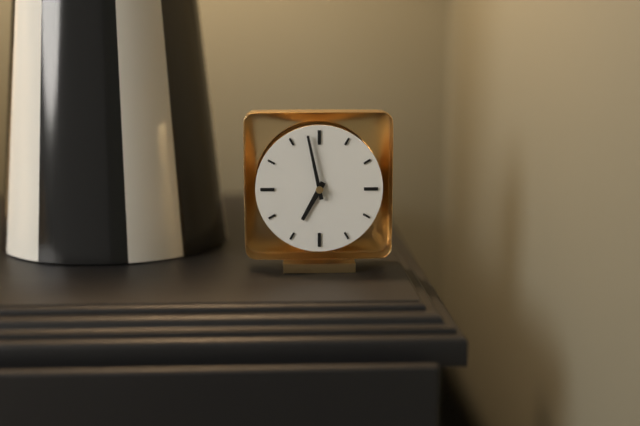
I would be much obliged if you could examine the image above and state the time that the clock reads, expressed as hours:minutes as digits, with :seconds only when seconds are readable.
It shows 6:58
